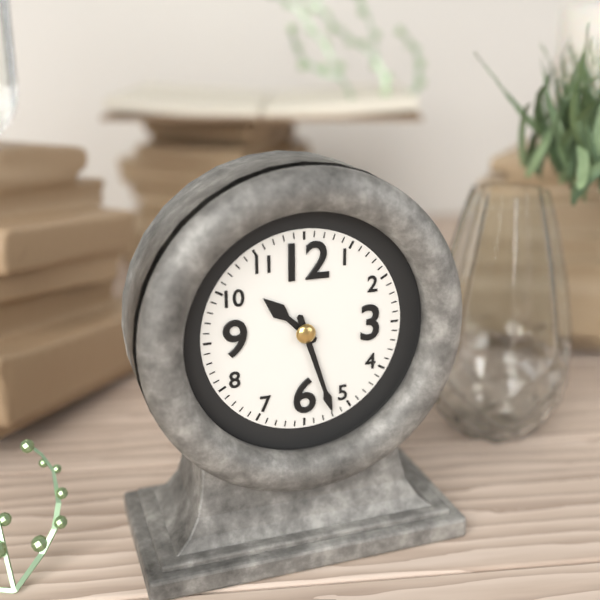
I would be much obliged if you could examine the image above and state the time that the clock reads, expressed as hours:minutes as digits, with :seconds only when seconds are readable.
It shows 10:27
